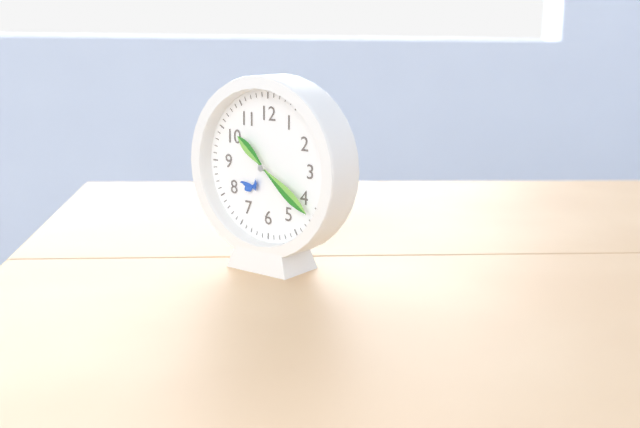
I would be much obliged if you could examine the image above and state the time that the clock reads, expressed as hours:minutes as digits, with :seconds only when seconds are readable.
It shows 10:21
